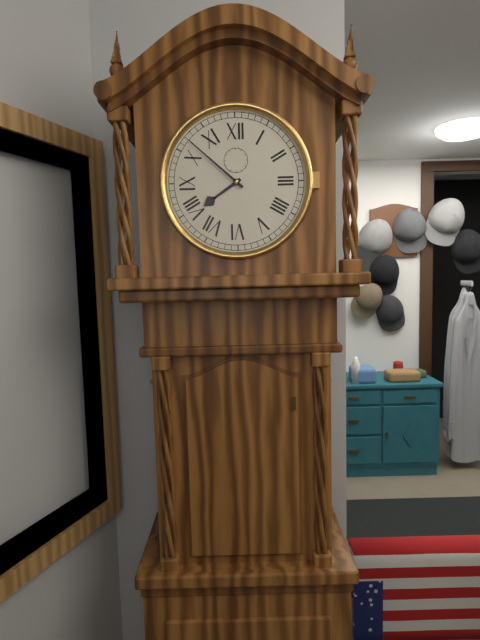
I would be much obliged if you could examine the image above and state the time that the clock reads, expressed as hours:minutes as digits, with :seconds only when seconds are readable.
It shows 7:52
